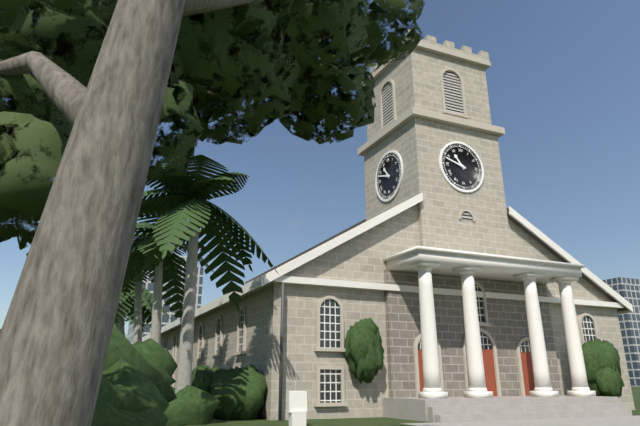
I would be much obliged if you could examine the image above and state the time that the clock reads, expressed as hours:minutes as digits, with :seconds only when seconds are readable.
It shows 10:48
